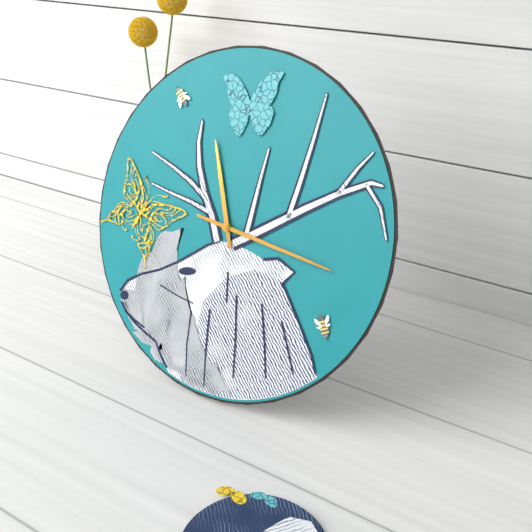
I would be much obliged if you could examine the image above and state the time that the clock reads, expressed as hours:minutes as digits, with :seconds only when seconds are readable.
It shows 11:16
